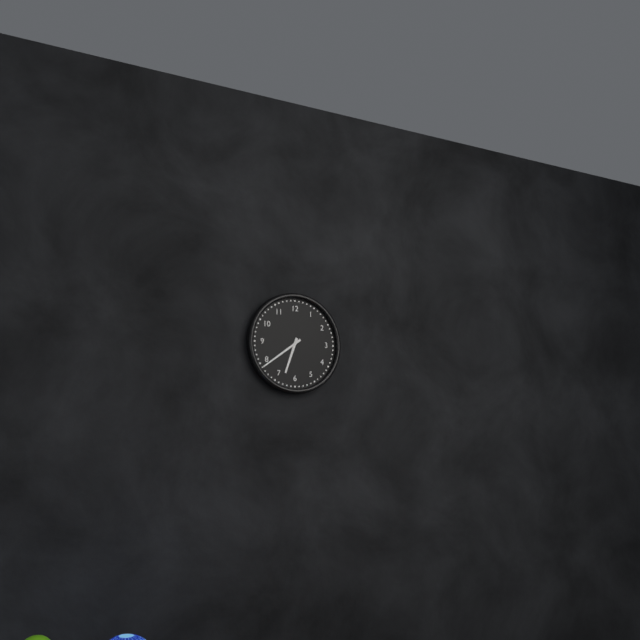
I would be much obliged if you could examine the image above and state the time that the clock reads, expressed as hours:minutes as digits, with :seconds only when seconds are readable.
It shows 6:39
